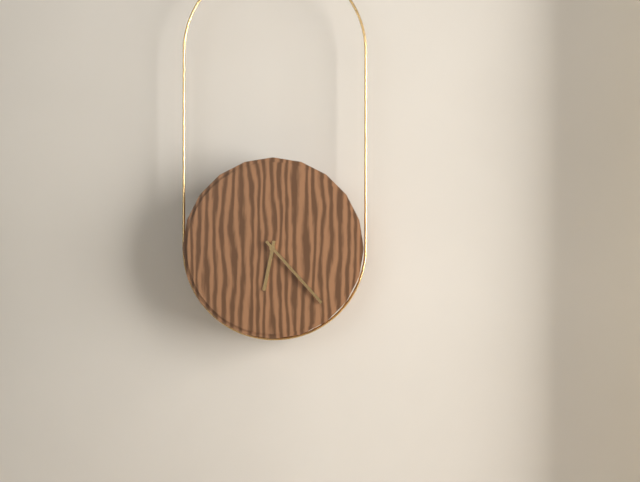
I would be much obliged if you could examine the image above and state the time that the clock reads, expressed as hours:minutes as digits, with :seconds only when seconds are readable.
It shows 6:23
